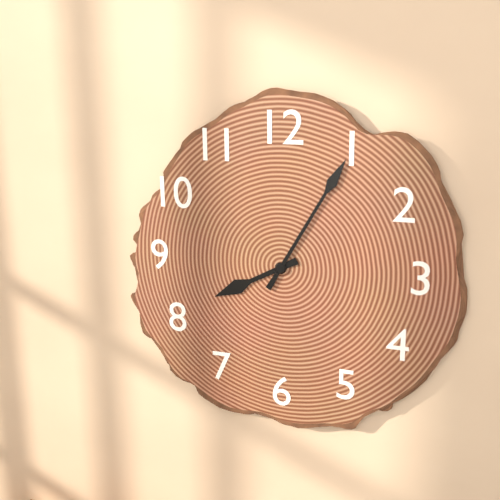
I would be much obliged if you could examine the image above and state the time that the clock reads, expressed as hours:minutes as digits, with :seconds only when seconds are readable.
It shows 8:05
